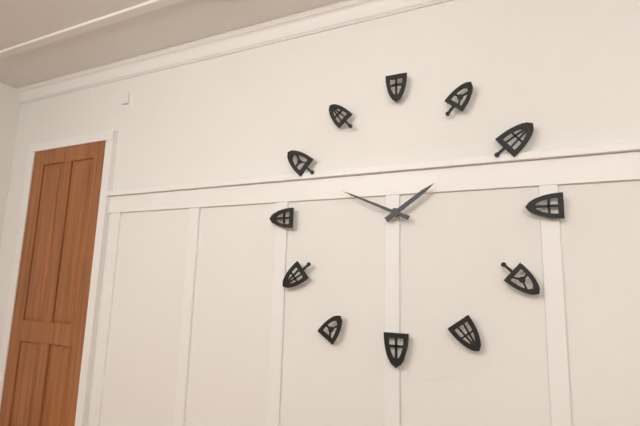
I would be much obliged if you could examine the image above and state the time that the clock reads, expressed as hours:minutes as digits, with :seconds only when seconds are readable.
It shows 1:49
